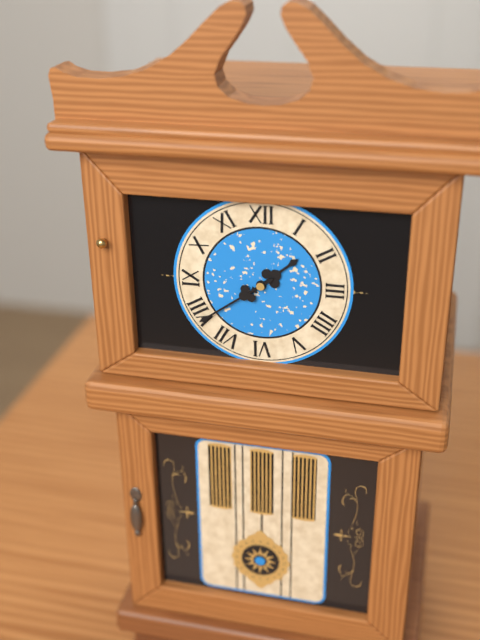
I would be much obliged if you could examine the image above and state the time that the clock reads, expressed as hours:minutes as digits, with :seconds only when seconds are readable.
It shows 1:39
